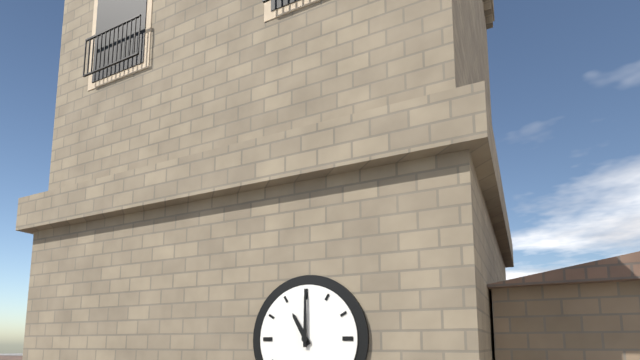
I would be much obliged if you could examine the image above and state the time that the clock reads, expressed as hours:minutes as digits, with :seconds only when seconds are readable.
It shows 11:00
